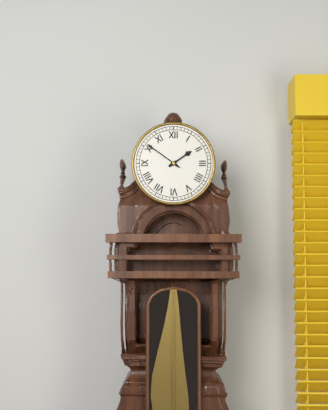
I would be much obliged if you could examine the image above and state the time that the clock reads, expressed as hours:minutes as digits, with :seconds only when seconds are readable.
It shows 1:51
